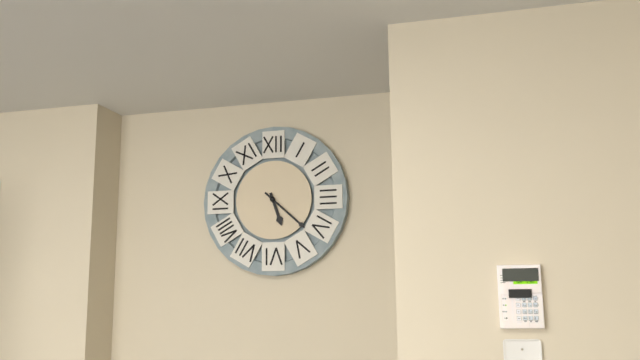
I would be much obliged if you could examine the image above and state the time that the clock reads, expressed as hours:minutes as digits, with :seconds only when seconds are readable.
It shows 5:22
